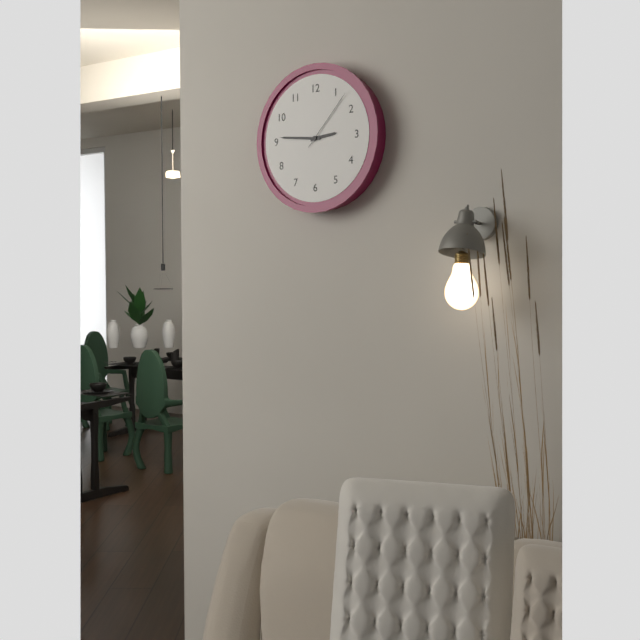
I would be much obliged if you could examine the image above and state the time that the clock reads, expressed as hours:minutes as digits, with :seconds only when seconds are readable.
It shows 2:46:07
